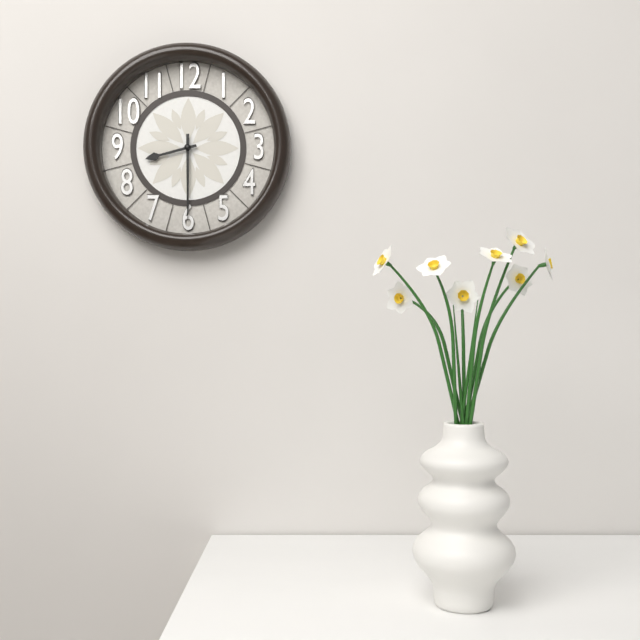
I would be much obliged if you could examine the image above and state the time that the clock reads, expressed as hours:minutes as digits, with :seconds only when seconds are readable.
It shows 8:30
